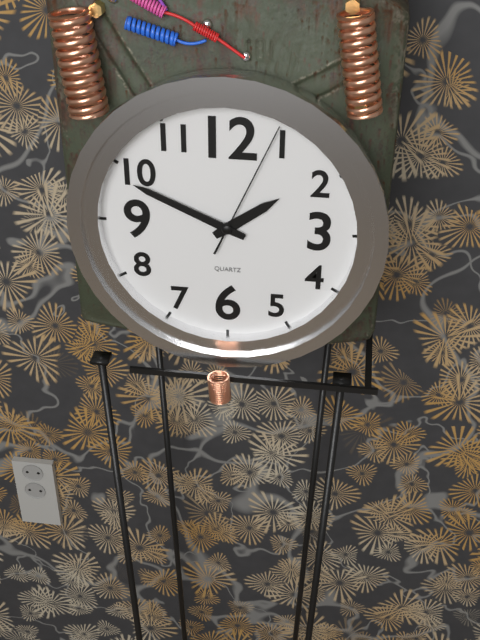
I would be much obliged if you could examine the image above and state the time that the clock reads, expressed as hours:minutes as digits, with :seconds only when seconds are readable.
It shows 1:49:04
